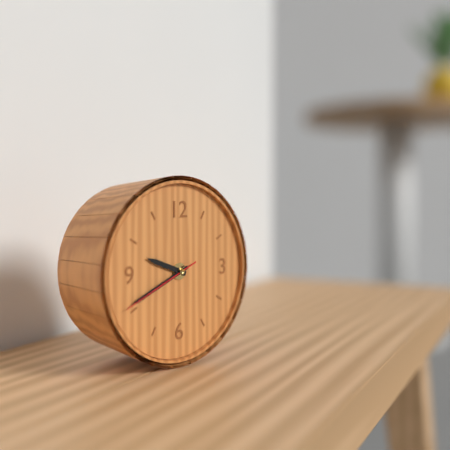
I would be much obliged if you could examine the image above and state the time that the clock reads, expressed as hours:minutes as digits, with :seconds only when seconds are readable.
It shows 9:41:41
